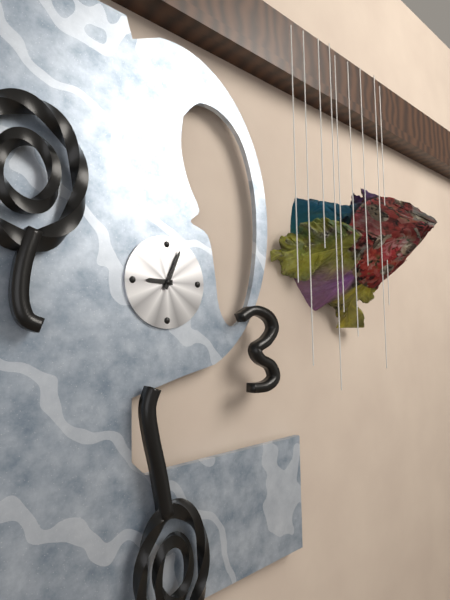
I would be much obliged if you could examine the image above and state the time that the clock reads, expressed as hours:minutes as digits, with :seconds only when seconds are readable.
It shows 9:04
